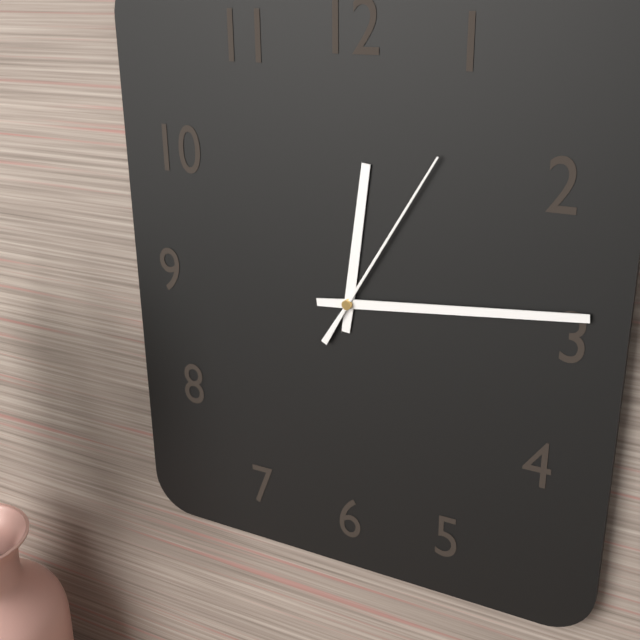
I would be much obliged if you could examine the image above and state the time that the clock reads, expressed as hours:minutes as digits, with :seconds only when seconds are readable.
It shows 12:14:05
